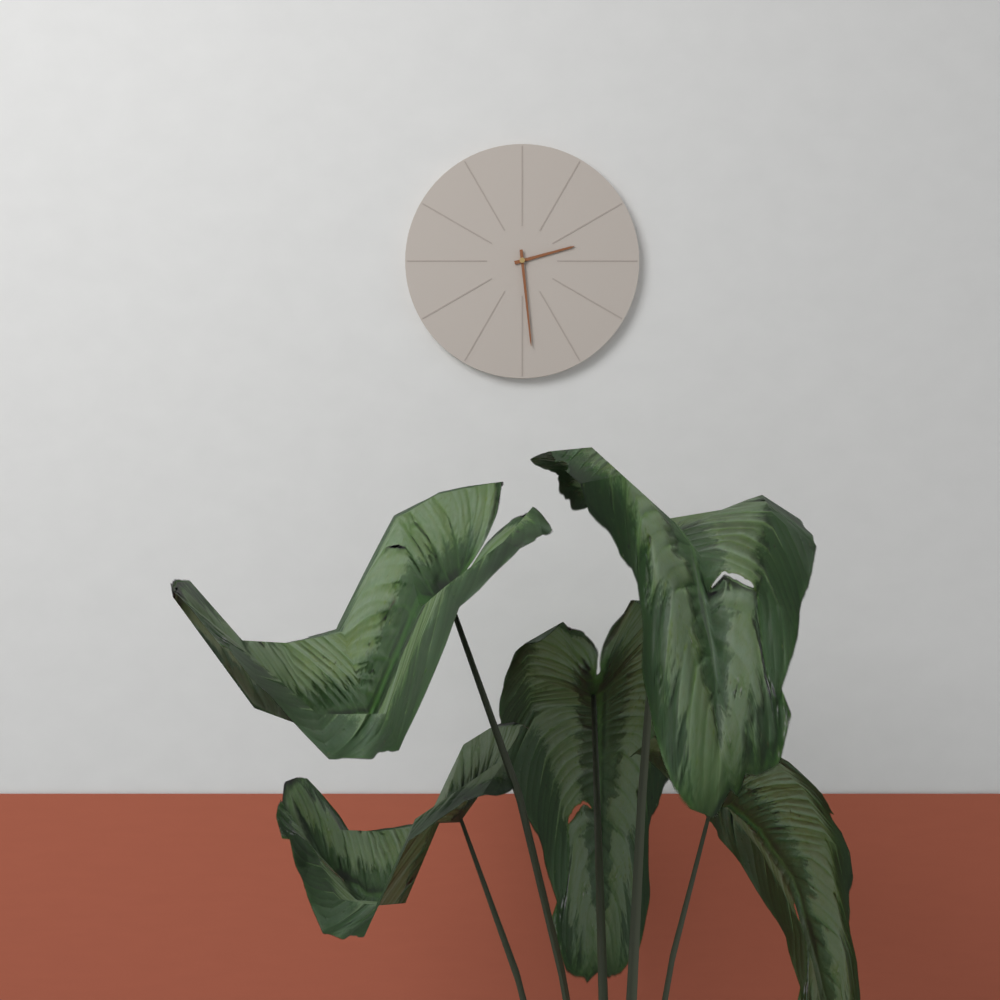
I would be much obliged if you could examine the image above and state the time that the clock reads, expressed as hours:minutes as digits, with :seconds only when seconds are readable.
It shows 2:29
